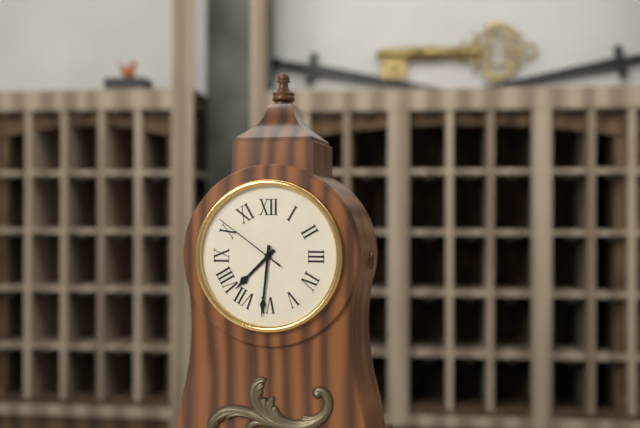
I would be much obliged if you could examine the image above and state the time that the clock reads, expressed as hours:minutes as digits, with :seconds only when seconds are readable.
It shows 7:31:51
